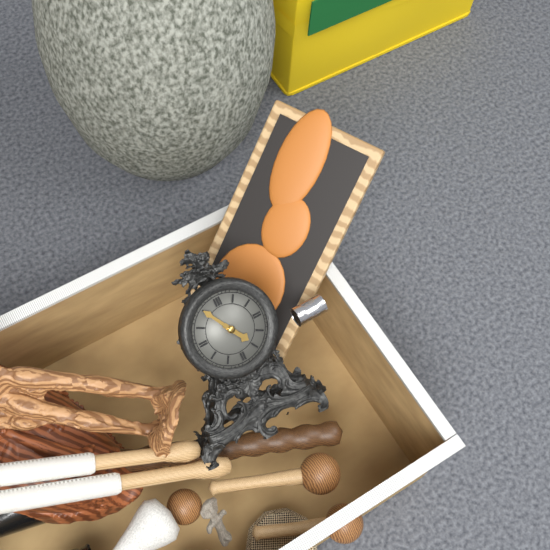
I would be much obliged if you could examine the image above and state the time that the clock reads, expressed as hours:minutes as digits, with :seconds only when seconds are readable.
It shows 4:55
